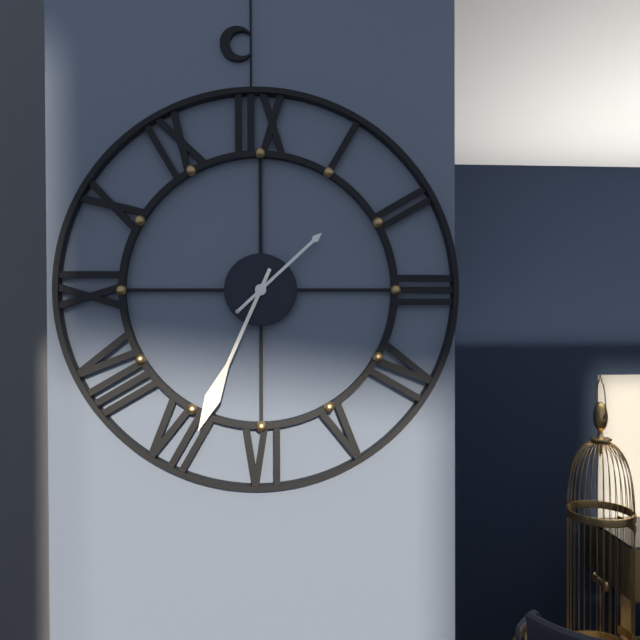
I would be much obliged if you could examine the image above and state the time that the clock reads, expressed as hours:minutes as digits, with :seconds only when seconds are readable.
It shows 1:34
